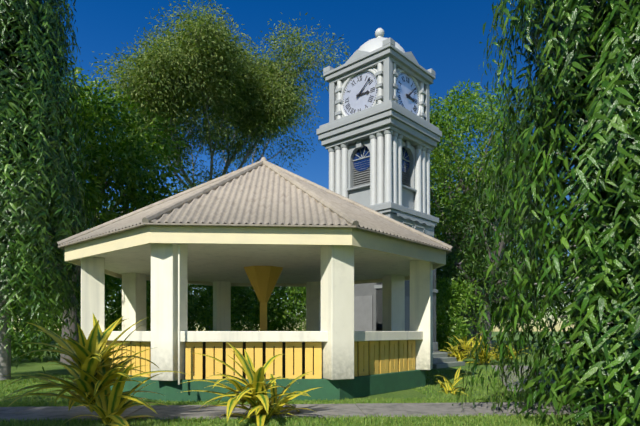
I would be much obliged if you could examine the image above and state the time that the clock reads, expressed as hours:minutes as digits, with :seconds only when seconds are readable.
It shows 3:08
